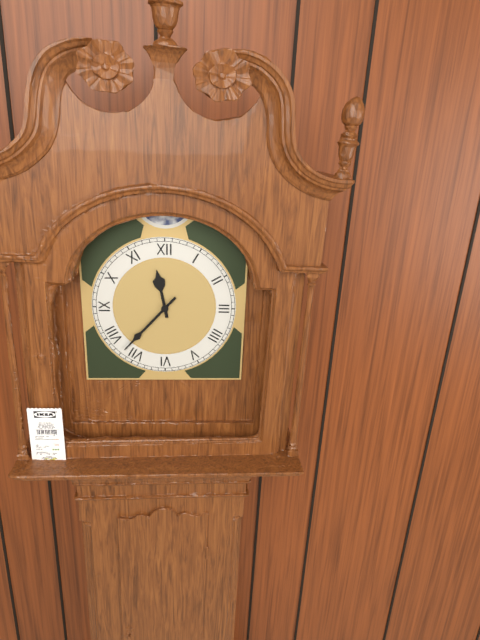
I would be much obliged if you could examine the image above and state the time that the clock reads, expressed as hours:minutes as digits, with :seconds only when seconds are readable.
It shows 11:37
